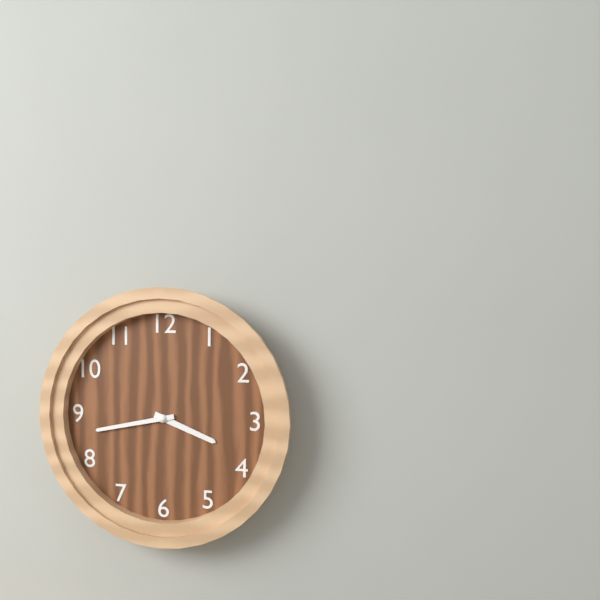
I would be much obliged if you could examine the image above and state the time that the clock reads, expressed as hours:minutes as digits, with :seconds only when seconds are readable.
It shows 3:43
